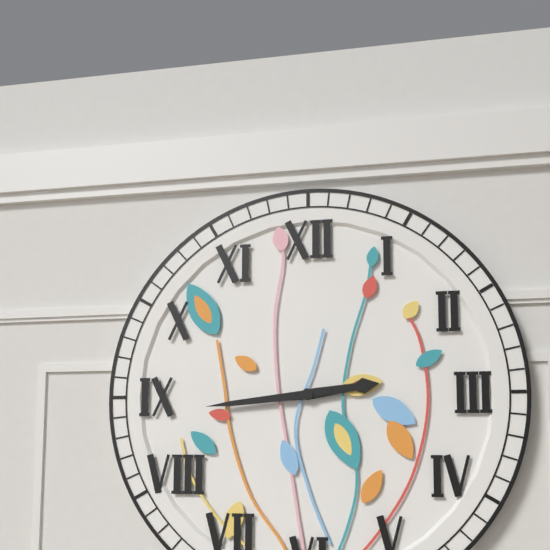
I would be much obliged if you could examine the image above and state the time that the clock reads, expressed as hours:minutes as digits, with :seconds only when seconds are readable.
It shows 2:44
